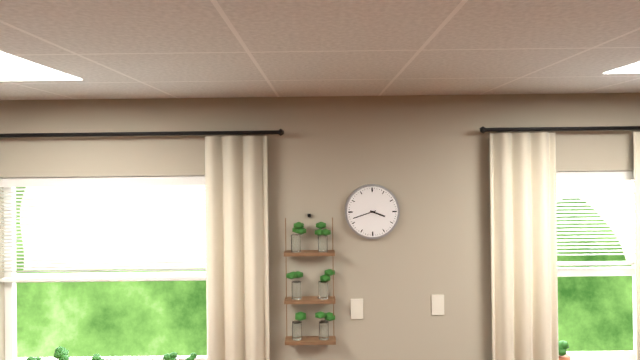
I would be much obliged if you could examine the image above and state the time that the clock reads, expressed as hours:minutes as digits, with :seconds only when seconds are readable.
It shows 3:42
